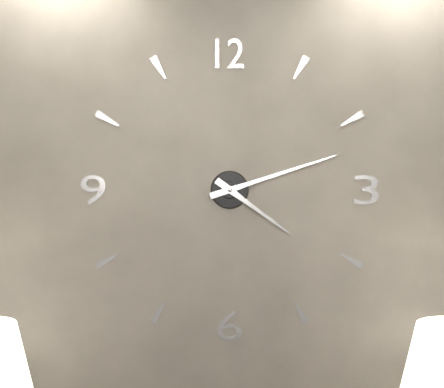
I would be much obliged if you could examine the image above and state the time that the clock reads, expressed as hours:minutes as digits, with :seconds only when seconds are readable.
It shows 4:12
